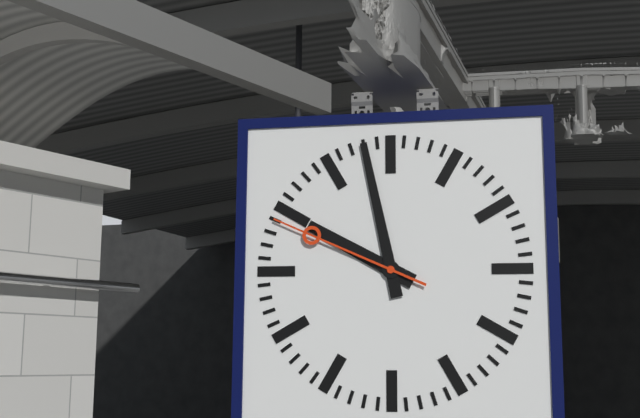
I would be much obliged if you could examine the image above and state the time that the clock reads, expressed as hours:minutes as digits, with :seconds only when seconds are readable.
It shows 9:58:49
